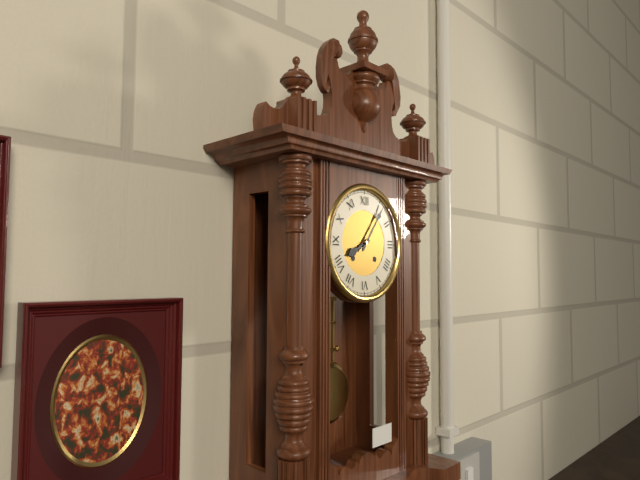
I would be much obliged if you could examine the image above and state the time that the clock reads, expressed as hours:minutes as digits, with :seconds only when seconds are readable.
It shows 8:06
